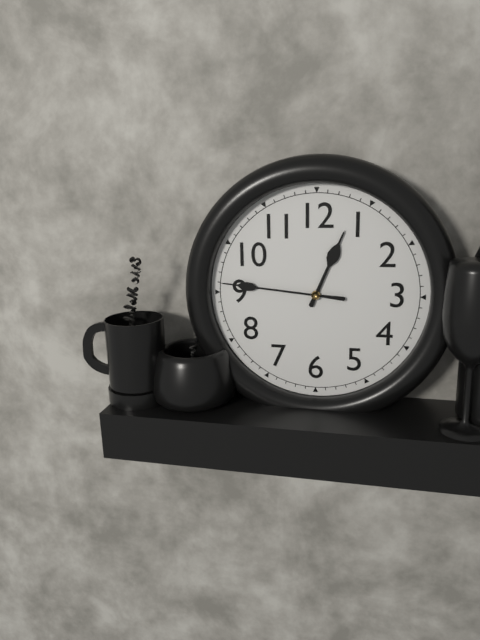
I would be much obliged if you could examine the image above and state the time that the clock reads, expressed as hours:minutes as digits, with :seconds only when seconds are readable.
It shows 12:46
